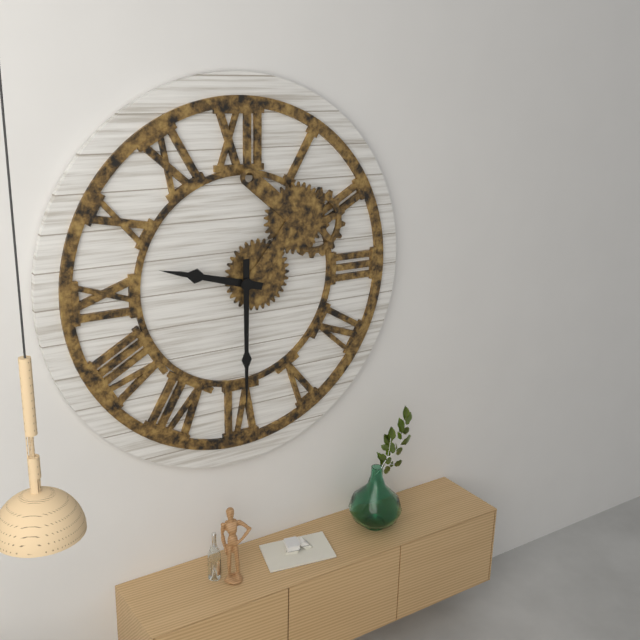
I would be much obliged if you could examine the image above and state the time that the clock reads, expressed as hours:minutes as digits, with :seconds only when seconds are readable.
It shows 9:30
